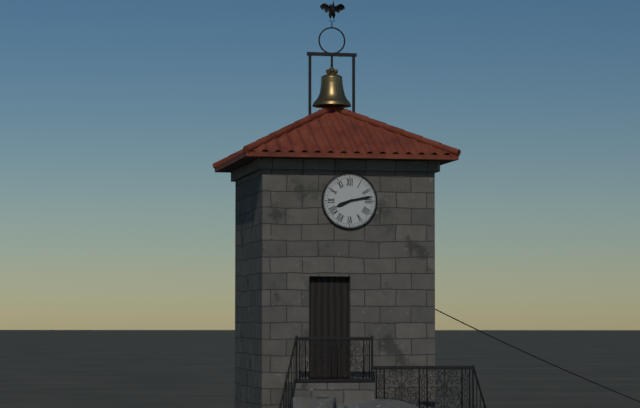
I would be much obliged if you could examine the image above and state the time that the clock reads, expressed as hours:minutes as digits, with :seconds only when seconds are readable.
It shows 8:13
